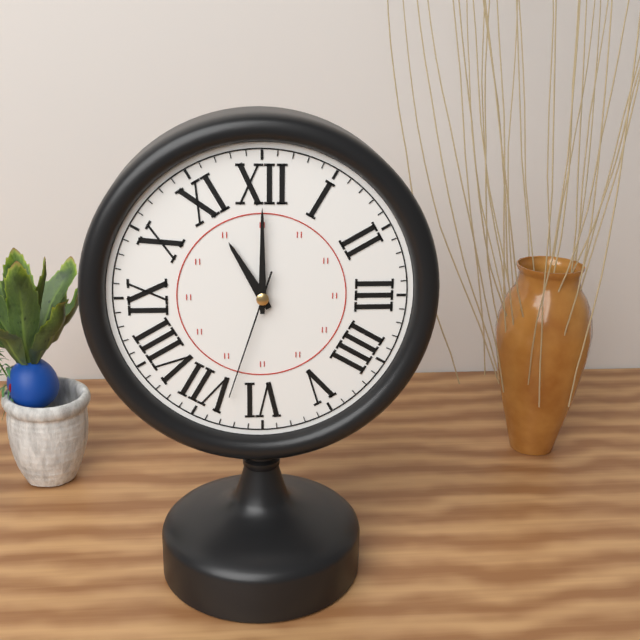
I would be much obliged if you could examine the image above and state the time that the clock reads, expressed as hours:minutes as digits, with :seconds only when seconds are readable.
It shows 11:00:33
